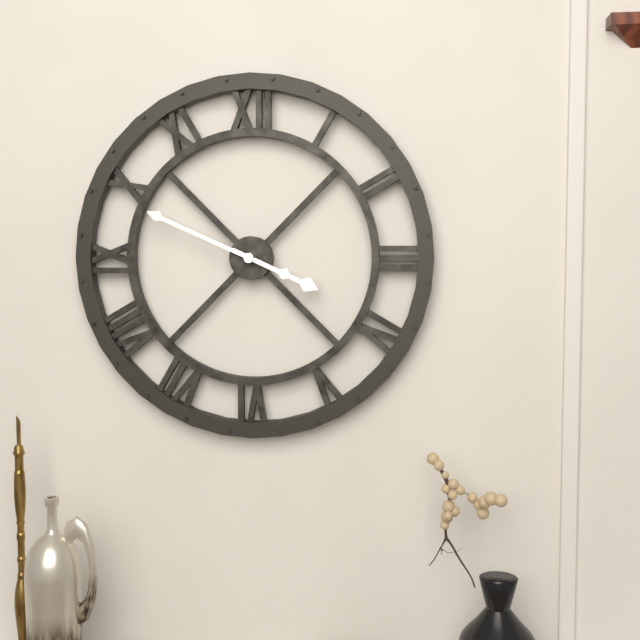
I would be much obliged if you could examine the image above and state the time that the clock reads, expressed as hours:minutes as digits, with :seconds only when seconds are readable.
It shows 3:49
